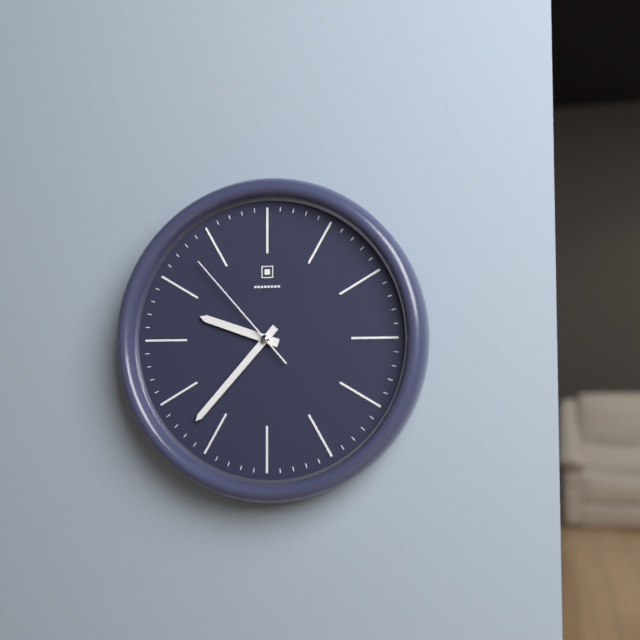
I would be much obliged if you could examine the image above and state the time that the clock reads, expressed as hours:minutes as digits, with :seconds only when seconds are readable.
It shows 9:37:53
